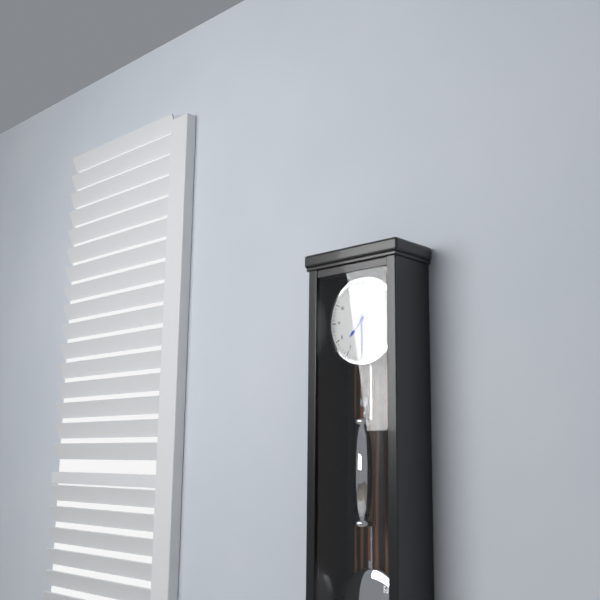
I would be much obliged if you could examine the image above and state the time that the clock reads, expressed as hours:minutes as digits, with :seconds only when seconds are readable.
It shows 7:30
